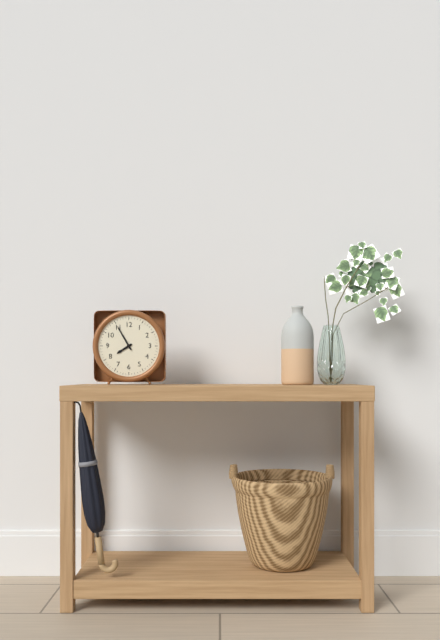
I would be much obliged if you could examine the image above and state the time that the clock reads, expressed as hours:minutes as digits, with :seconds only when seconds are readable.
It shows 7:55
